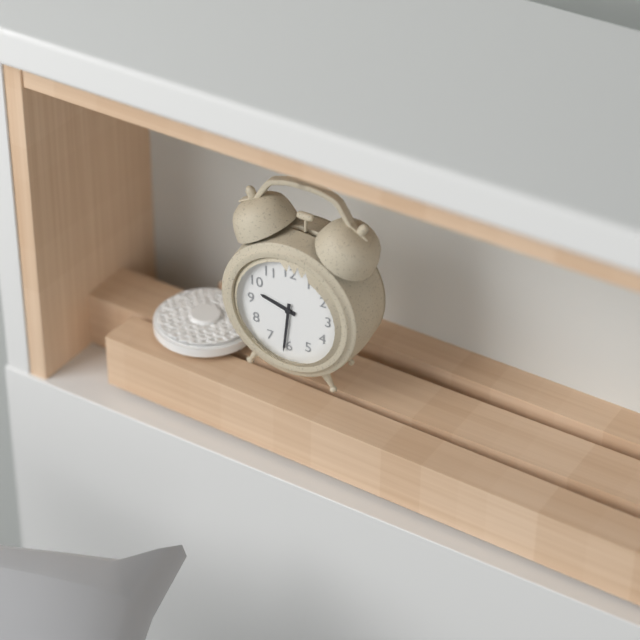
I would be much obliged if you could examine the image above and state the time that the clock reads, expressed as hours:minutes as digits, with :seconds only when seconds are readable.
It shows 9:31
